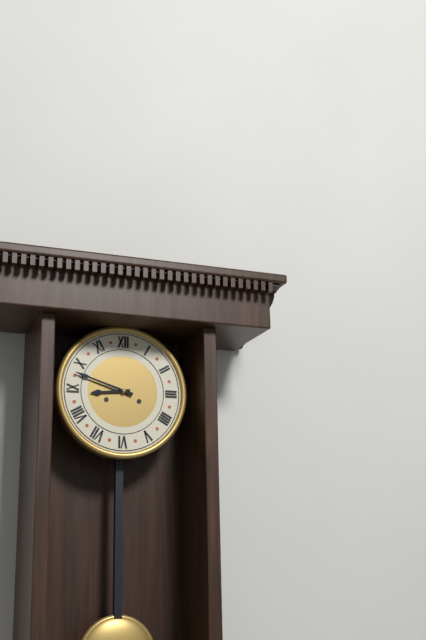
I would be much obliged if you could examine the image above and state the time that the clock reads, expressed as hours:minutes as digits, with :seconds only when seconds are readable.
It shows 8:48
